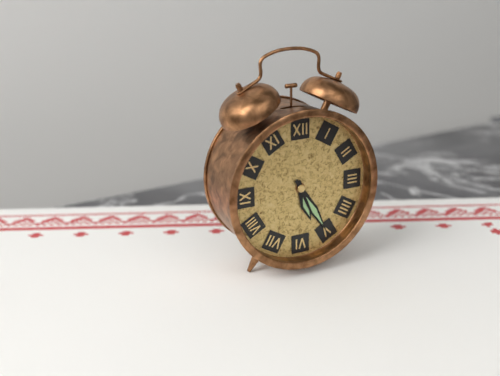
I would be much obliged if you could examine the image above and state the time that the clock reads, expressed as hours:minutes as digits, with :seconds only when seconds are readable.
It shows 5:25
